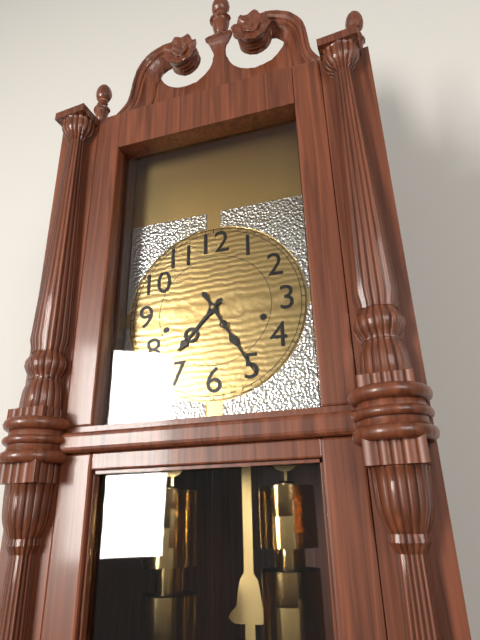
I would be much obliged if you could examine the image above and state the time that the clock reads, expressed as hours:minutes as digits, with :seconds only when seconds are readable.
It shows 7:25
